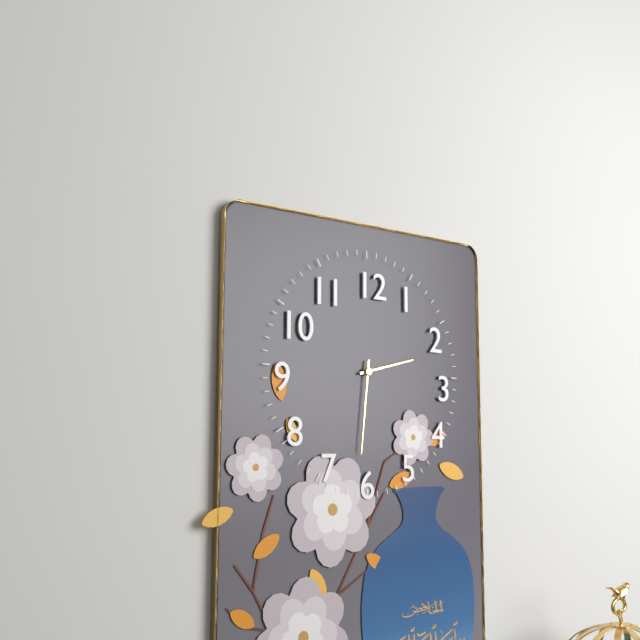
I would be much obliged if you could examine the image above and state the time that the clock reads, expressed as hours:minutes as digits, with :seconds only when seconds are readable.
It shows 2:31
